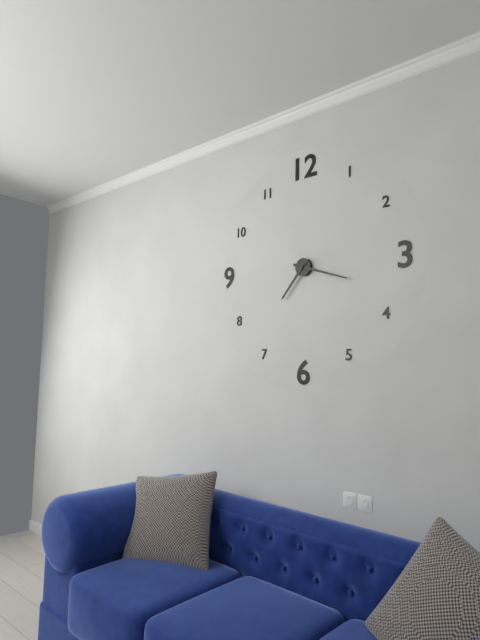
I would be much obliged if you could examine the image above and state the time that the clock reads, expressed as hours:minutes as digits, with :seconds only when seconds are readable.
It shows 7:18
